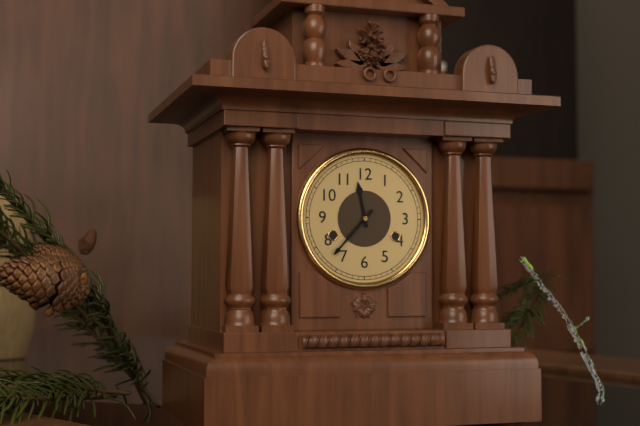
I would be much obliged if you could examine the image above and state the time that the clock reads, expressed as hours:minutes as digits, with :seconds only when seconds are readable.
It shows 11:37
